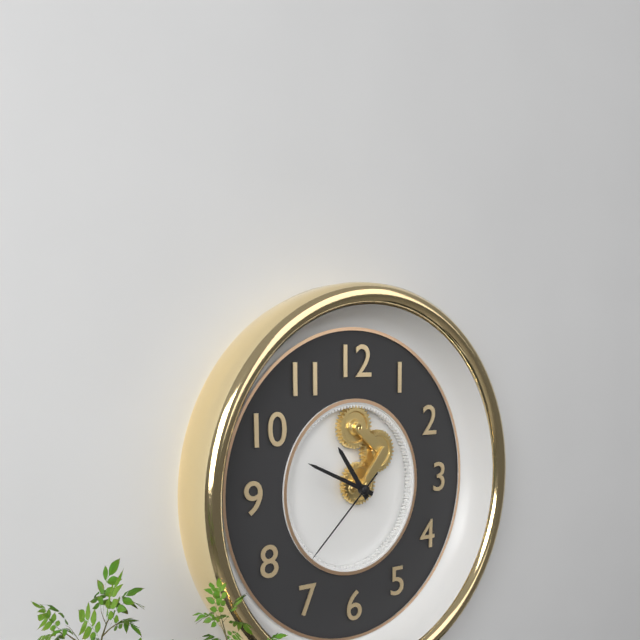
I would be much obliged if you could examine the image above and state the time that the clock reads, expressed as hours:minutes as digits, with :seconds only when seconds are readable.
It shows 10:49:38
